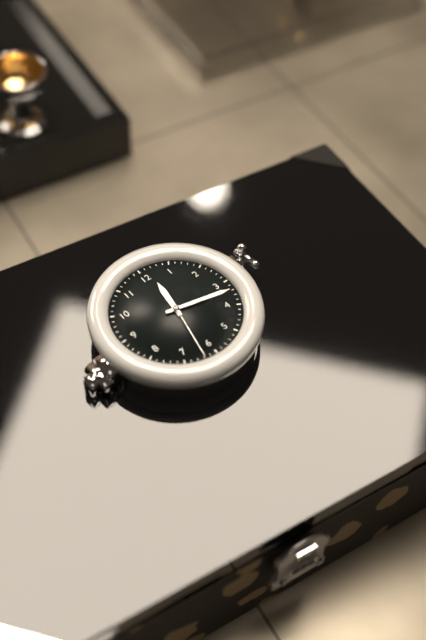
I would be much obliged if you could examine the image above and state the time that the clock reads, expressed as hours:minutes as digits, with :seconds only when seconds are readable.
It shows 12:17
